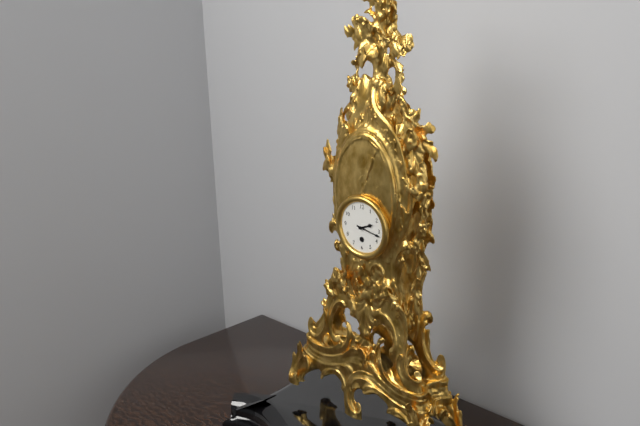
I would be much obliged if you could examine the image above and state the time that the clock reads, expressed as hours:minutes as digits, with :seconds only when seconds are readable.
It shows 2:17
